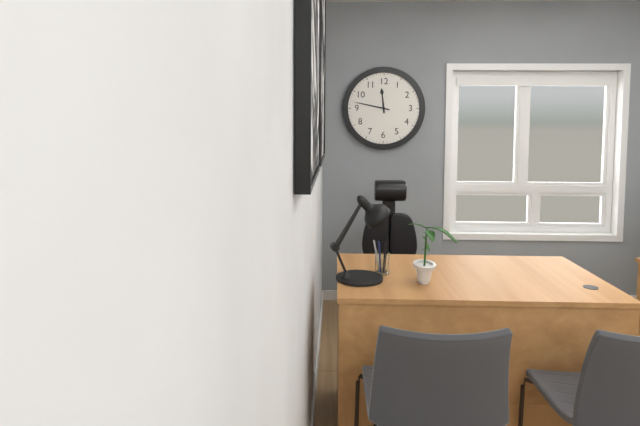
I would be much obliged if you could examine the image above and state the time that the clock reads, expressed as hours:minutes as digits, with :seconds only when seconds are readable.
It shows 11:47
